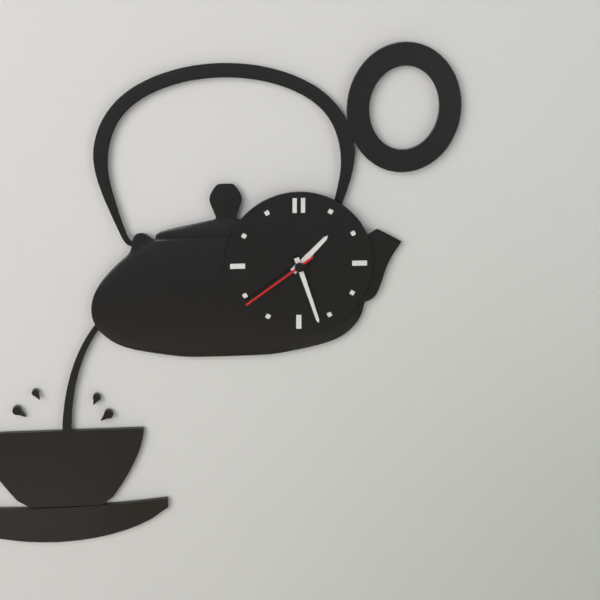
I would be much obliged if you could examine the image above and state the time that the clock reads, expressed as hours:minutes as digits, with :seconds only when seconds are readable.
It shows 1:27:39
